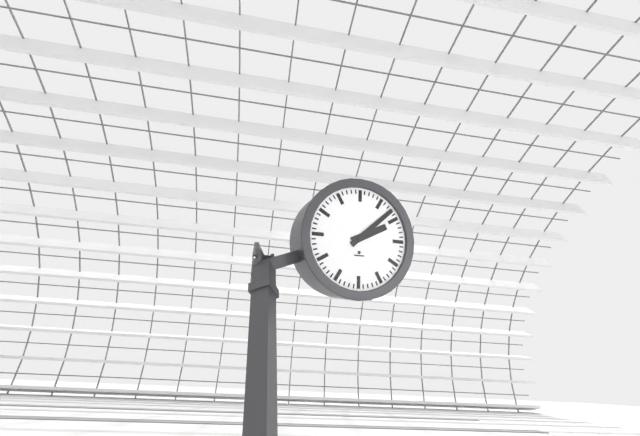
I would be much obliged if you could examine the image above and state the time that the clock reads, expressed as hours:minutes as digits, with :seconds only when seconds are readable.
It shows 2:08
